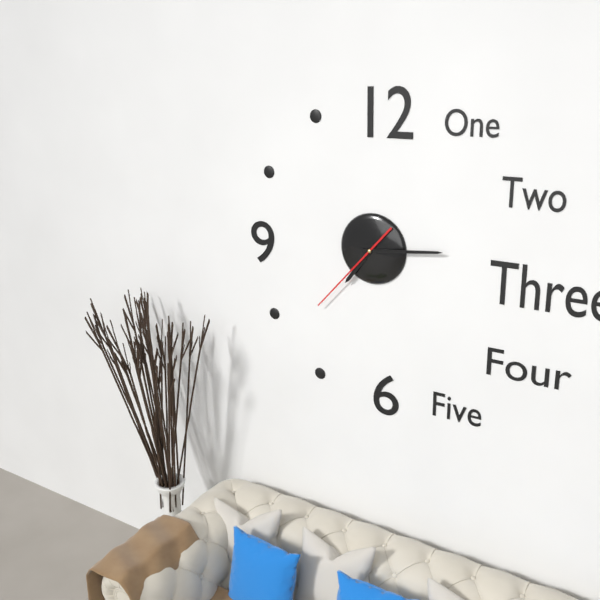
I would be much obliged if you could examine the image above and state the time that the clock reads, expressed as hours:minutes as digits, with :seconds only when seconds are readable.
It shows 7:14:37
